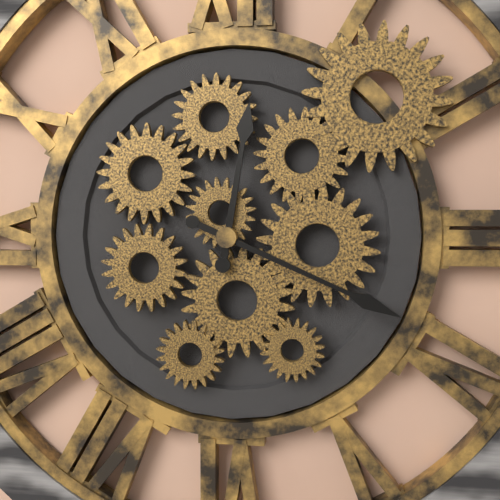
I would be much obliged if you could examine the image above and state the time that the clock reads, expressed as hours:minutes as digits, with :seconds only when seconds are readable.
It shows 12:19
